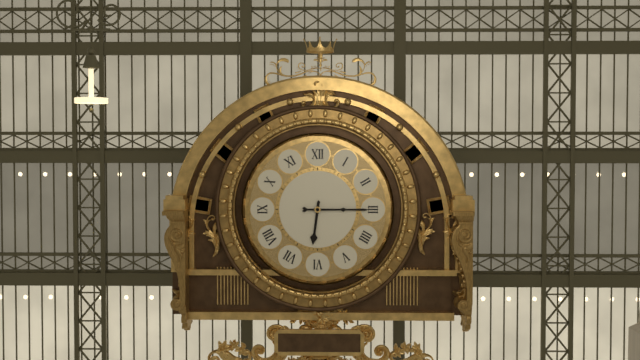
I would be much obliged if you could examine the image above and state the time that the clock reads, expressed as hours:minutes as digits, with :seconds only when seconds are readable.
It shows 6:15
